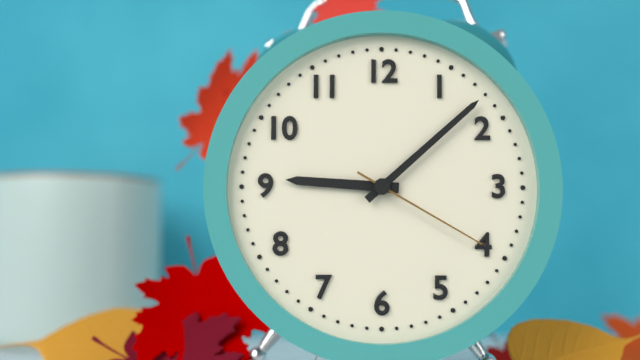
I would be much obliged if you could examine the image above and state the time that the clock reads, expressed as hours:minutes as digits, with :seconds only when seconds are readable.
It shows 9:08:20
